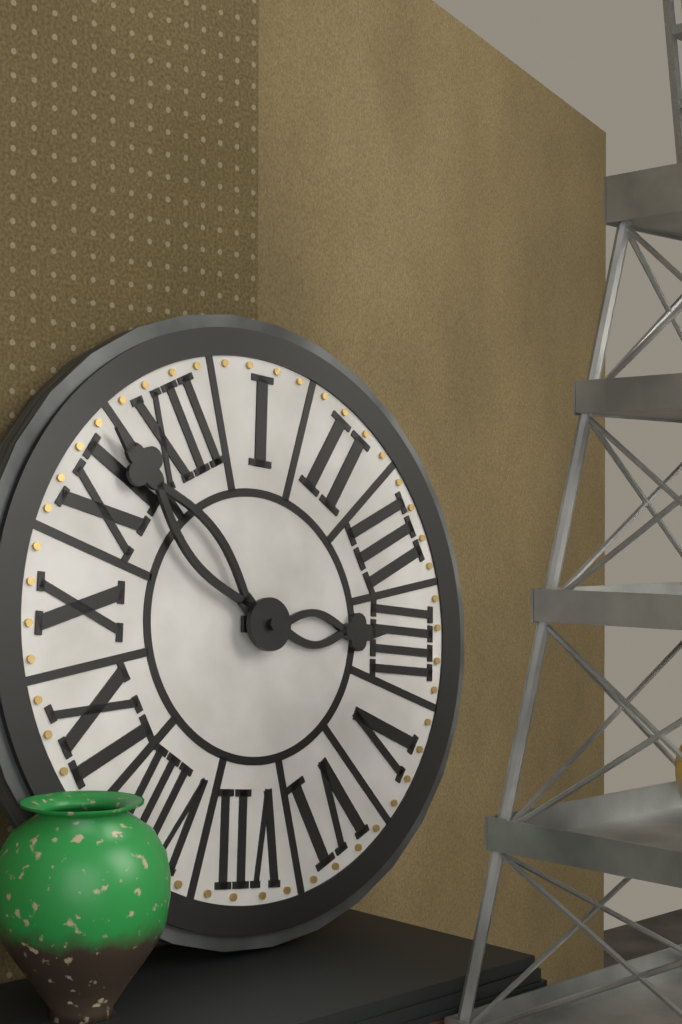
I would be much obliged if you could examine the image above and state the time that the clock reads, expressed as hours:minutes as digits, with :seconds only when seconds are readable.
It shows 3:57
